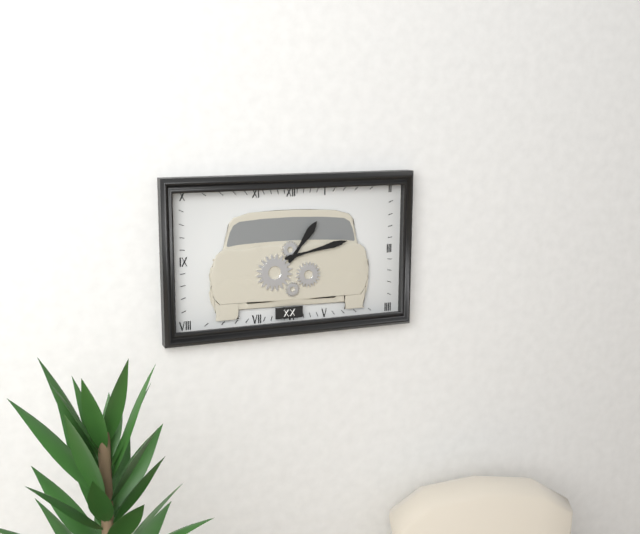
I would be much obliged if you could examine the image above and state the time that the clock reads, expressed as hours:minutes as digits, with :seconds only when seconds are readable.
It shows 1:13
